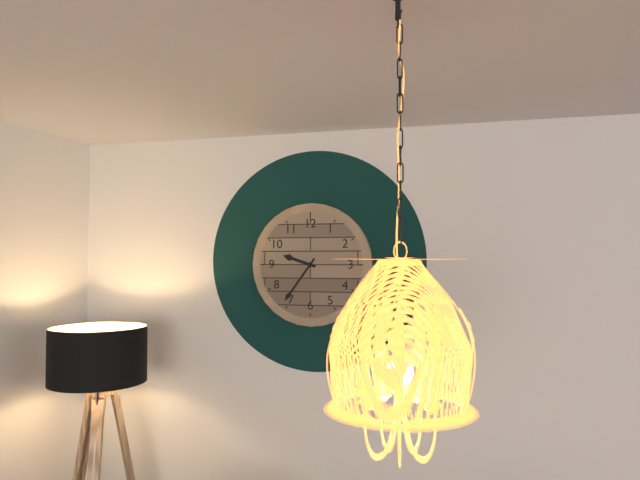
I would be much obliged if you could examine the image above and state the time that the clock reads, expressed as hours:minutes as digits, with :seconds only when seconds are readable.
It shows 9:36
